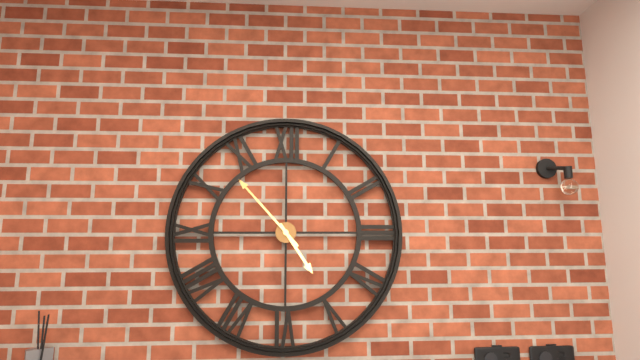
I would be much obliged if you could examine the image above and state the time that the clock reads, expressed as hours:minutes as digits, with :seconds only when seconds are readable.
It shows 4:53
